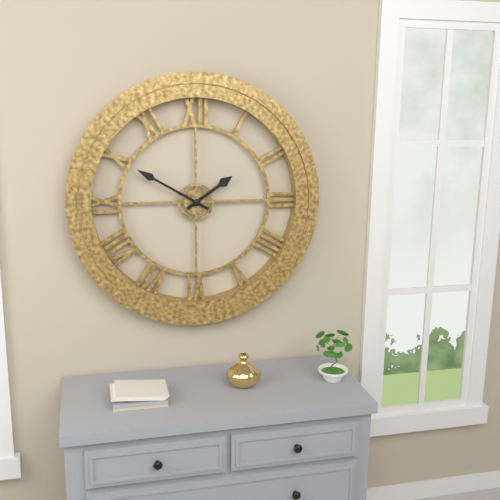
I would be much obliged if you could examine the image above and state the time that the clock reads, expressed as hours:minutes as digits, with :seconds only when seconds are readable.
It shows 1:50
